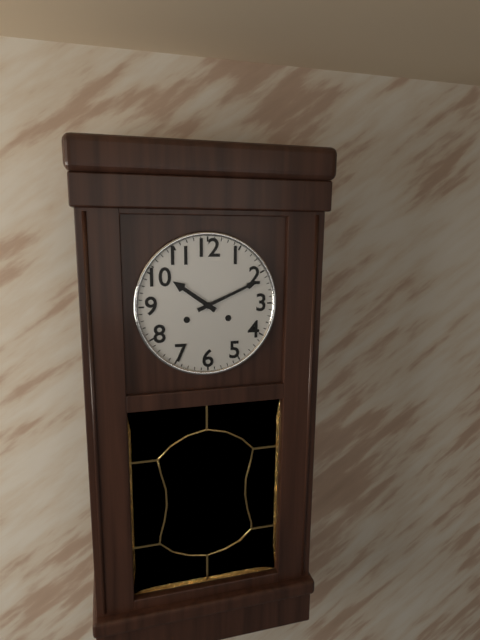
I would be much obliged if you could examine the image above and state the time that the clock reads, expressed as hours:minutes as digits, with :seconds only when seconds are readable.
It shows 10:11
